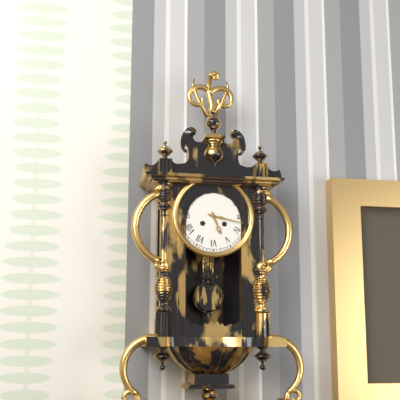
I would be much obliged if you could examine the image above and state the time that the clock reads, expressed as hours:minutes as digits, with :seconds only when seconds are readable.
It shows 5:17
